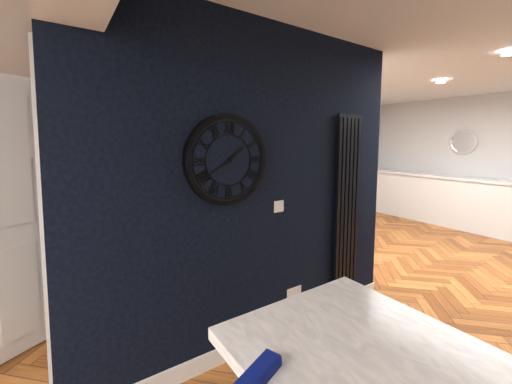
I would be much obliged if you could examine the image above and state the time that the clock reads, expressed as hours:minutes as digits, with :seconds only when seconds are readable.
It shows 1:40
